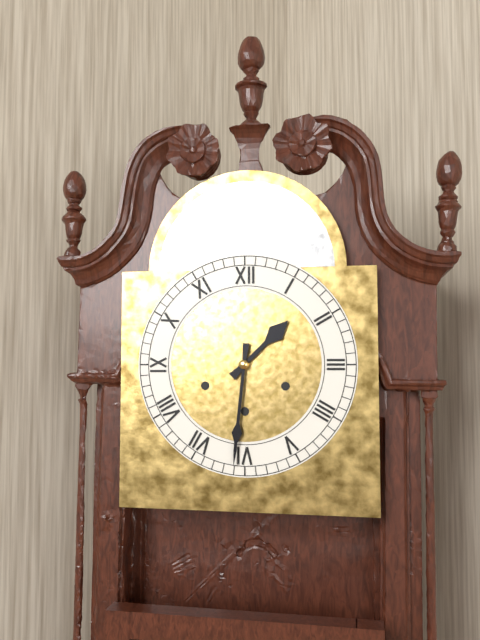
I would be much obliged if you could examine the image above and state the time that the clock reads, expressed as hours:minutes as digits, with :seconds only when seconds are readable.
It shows 1:31
